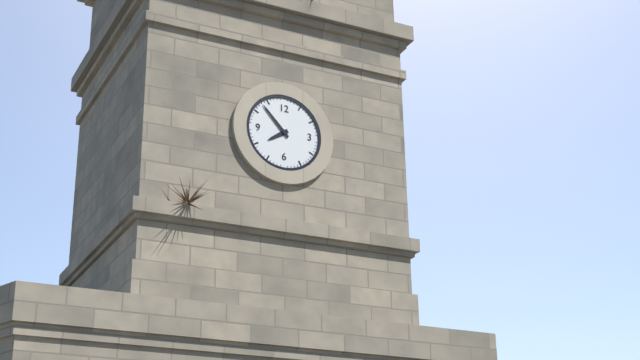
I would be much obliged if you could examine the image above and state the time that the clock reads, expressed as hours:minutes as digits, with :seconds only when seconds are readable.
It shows 7:53
